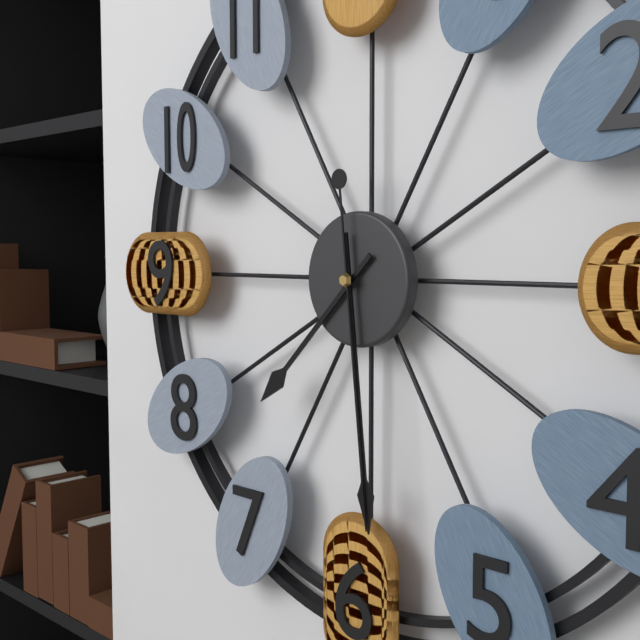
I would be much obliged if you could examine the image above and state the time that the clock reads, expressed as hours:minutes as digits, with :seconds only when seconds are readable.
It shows 7:29:29
